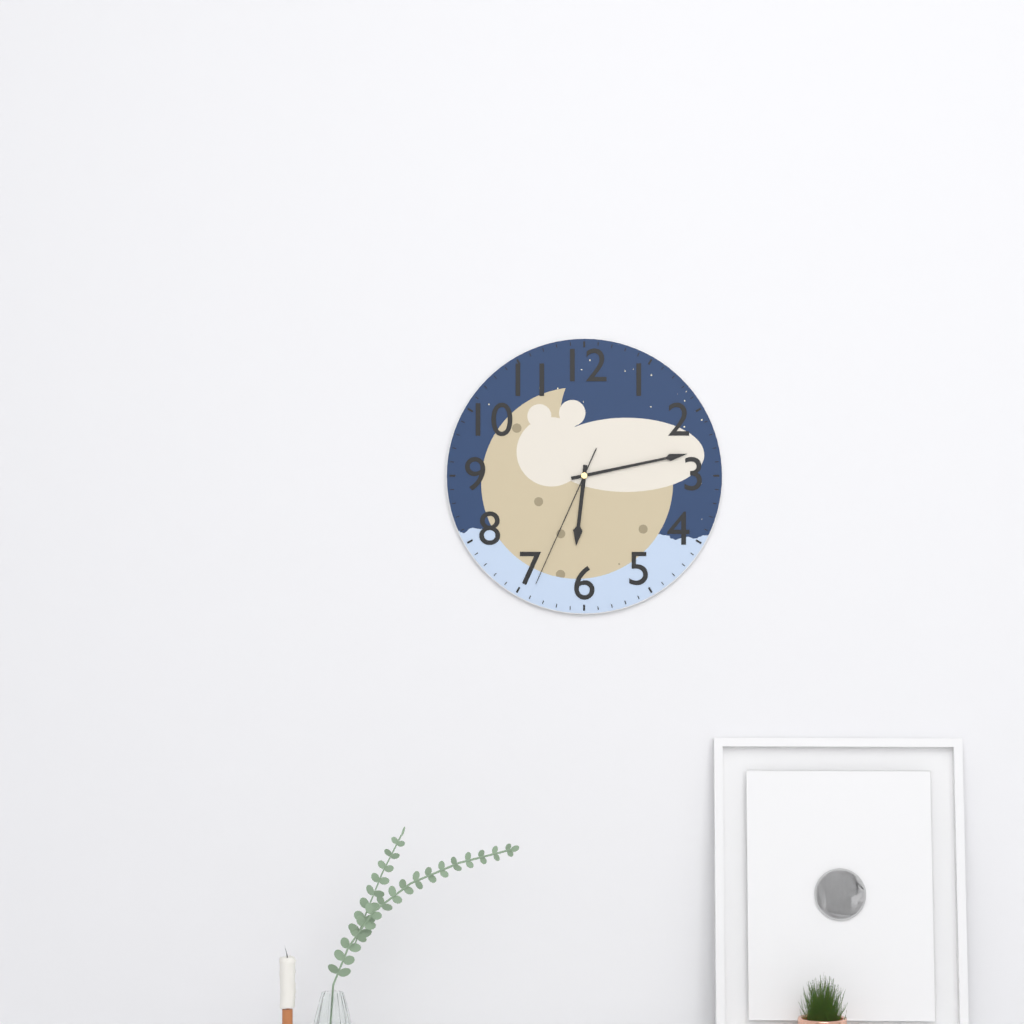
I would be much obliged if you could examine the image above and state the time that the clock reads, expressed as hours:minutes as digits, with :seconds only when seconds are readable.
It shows 6:13:34
